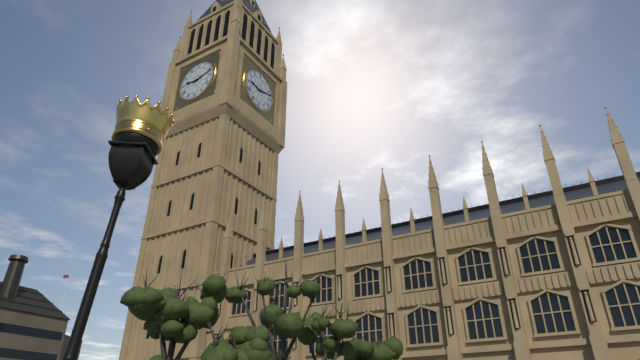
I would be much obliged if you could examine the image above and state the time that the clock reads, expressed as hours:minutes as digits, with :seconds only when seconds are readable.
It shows 9:12
